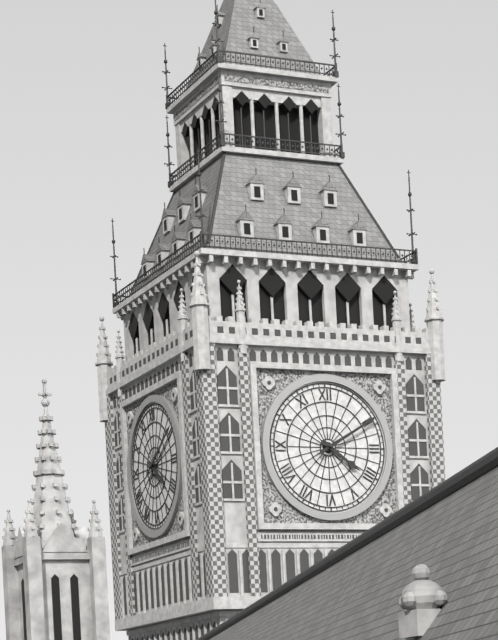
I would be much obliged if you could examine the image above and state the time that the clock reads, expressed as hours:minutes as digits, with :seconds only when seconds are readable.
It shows 4:10
